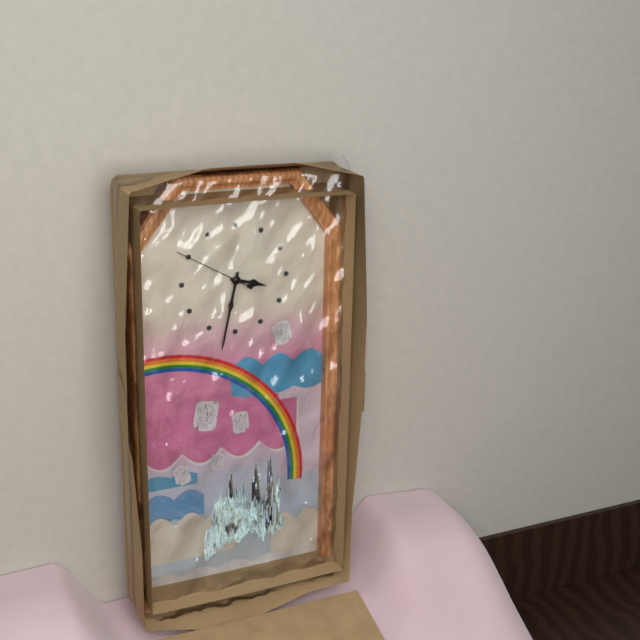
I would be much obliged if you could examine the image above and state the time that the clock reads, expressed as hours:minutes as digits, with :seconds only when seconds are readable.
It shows 3:32:50
